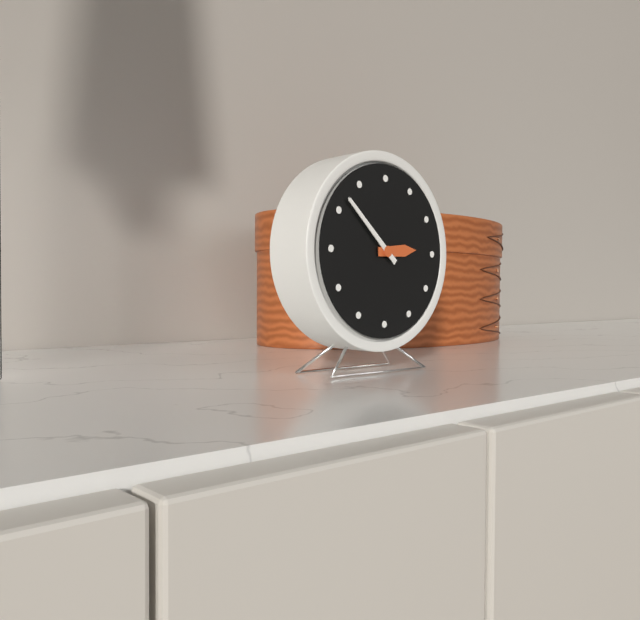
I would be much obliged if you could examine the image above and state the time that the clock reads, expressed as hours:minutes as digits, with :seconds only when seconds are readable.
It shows 2:52
